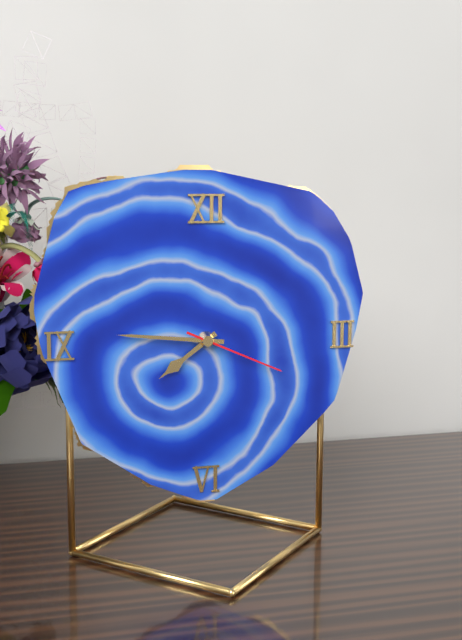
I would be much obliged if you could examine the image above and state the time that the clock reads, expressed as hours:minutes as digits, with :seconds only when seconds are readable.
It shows 7:46:19
